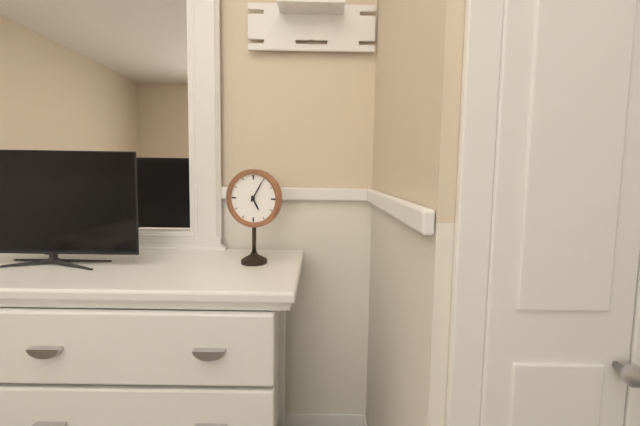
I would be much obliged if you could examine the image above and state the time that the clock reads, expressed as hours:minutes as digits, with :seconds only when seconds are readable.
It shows 5:05
